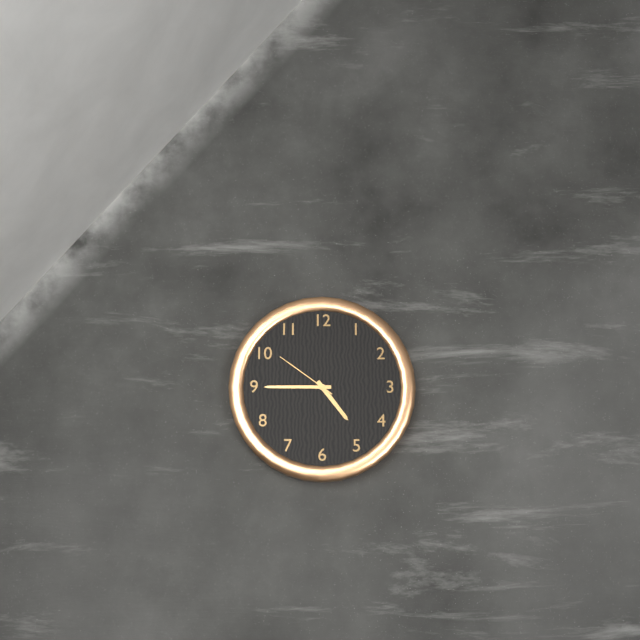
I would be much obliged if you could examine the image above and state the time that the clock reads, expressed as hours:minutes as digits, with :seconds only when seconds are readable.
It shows 4:45:51
